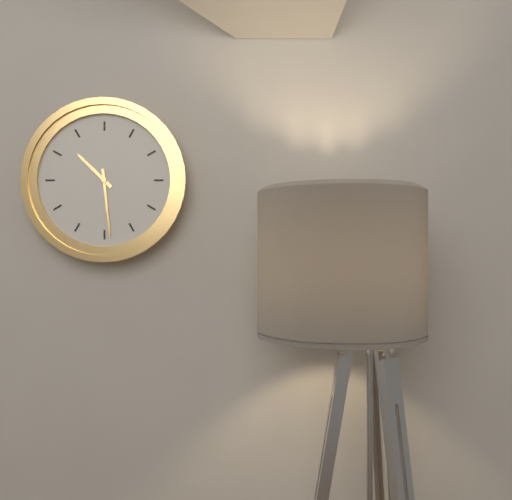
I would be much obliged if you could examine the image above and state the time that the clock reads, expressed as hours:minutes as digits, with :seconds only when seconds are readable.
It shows 10:29
